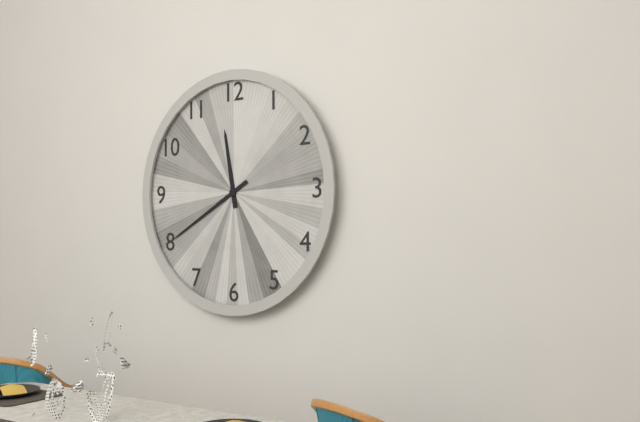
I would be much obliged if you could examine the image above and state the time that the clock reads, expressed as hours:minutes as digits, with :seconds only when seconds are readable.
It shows 11:40
